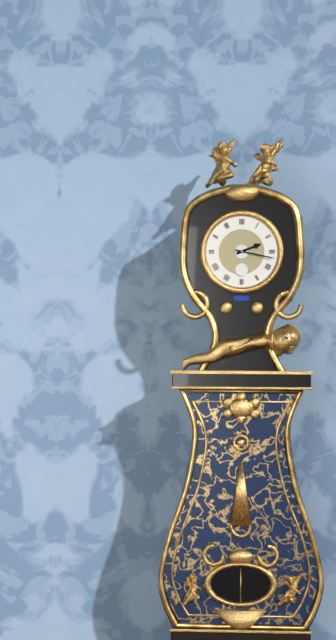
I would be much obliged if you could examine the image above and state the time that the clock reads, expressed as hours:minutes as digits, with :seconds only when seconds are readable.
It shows 2:17
